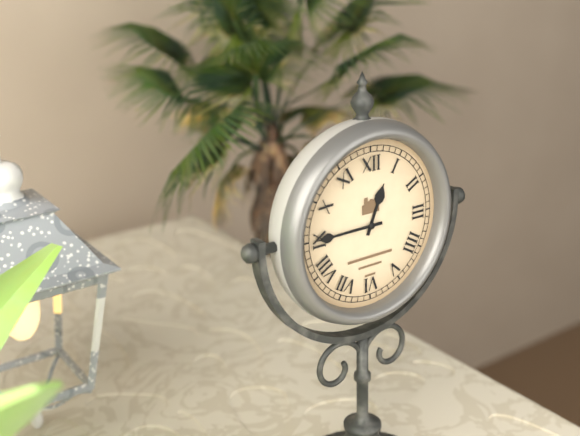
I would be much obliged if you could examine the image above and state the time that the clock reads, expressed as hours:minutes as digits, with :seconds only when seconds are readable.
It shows 12:45
